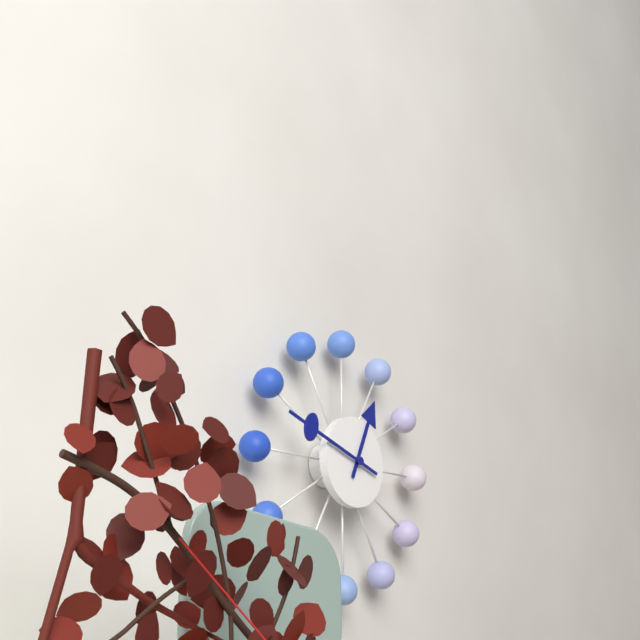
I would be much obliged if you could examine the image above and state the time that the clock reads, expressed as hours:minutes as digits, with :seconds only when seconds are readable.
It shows 12:48
